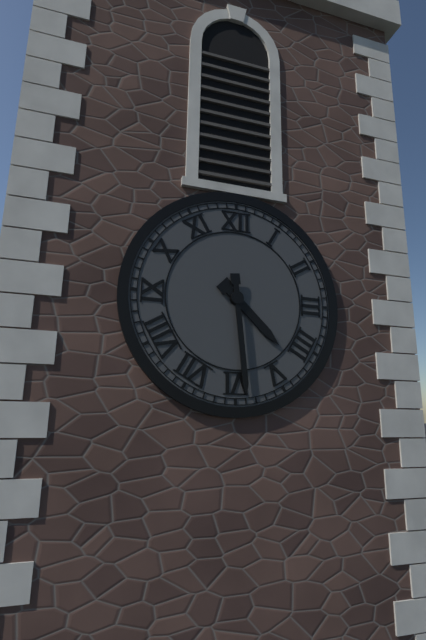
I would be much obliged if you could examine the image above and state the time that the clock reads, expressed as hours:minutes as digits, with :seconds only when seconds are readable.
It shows 4:29
